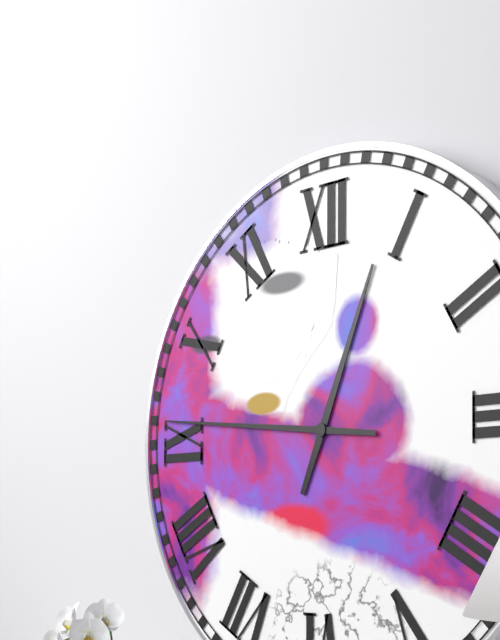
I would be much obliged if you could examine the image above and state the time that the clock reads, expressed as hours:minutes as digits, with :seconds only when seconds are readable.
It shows 12:46
